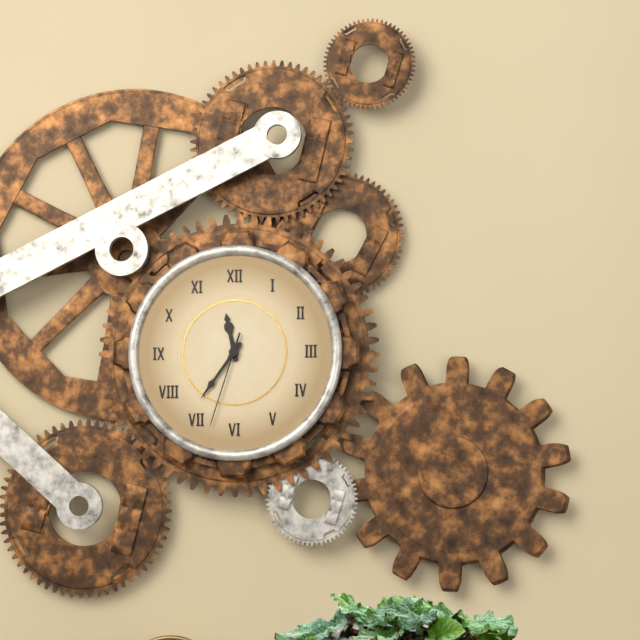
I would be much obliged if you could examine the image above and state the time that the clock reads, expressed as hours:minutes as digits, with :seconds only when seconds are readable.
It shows 11:36:33
